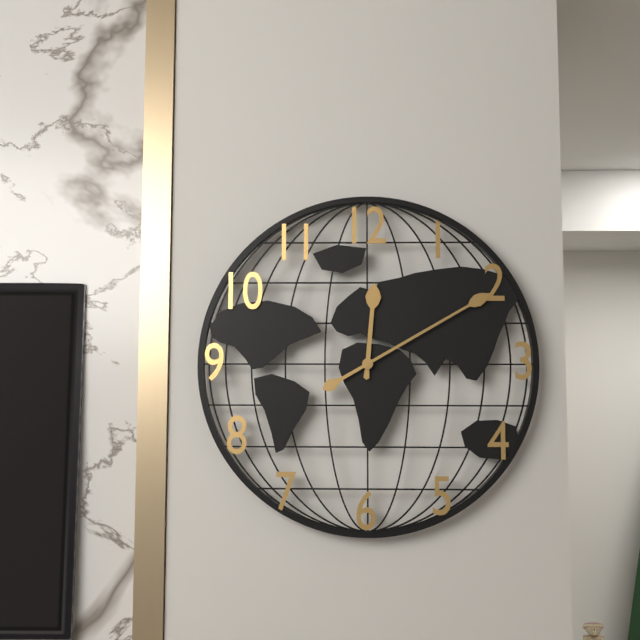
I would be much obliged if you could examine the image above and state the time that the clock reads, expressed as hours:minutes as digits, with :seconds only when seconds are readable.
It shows 12:10
